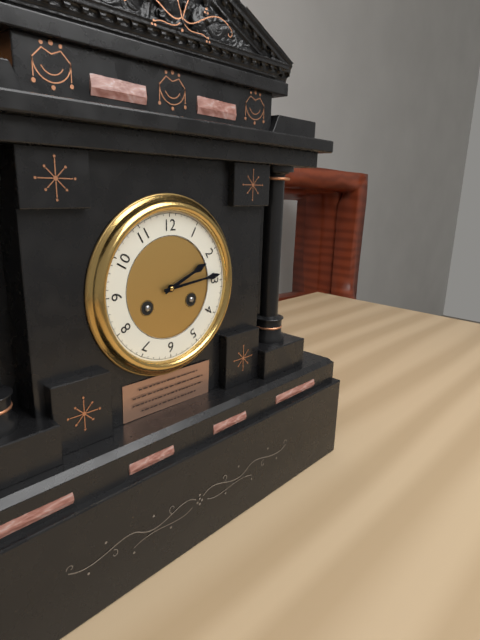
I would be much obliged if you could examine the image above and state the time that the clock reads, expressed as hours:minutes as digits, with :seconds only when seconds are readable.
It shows 2:14
